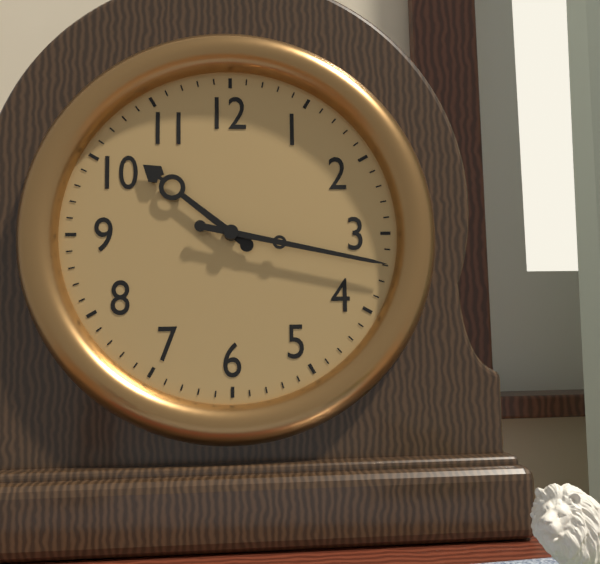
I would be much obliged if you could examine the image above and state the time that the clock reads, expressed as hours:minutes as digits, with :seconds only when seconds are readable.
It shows 10:17
